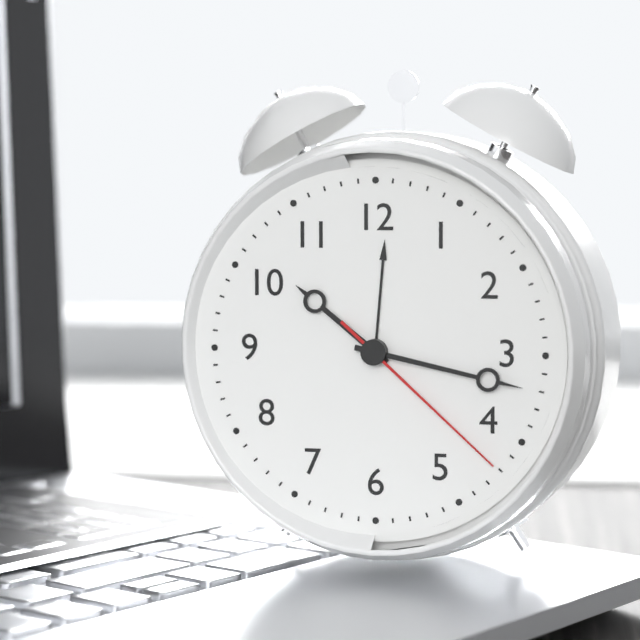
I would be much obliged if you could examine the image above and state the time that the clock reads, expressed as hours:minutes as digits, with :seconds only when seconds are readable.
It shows 10:17:22
